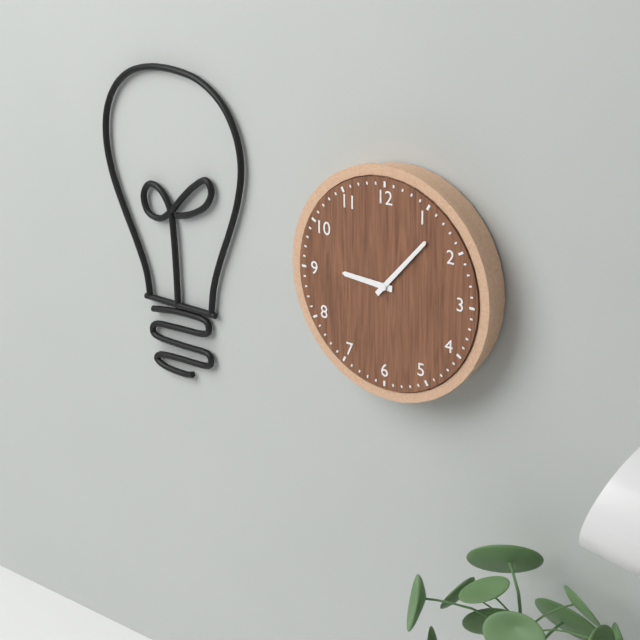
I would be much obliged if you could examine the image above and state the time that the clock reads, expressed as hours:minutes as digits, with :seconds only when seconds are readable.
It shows 9:07
